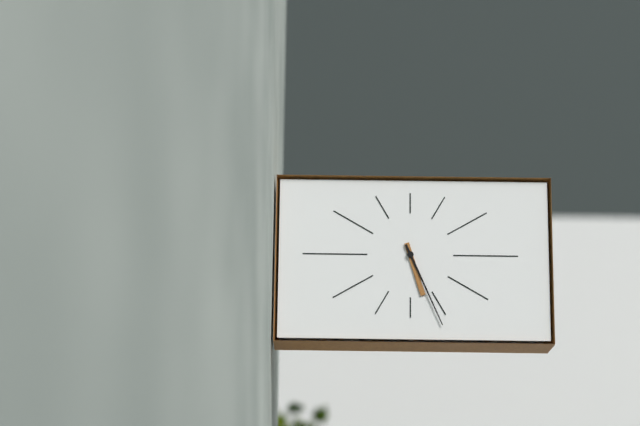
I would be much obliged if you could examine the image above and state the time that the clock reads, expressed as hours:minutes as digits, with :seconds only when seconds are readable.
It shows 5:26
